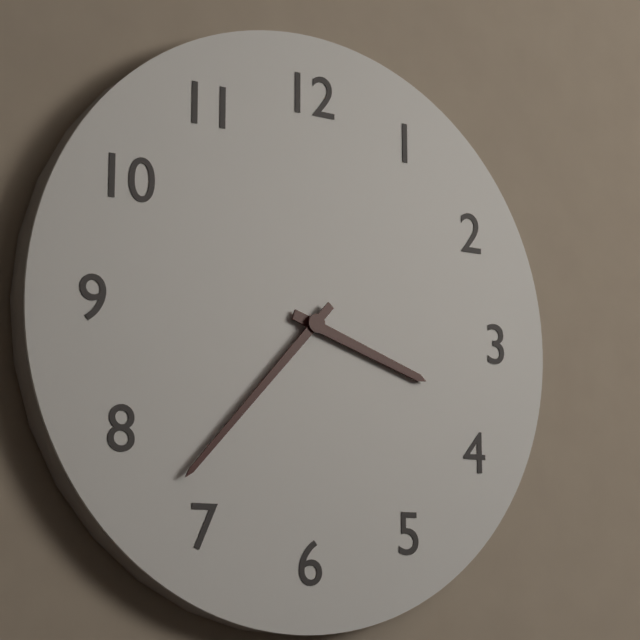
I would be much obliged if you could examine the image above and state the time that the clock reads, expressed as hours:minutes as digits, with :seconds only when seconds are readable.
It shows 3:37
